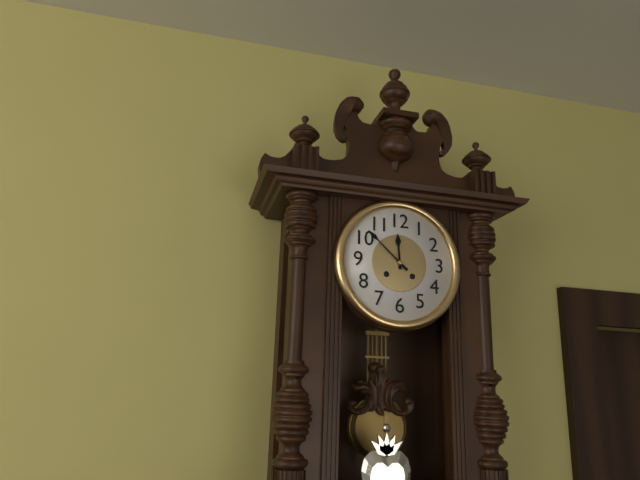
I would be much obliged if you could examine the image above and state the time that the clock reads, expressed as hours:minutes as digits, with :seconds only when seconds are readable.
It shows 11:52
